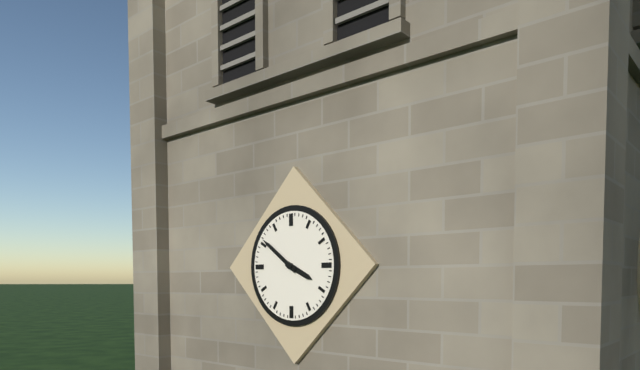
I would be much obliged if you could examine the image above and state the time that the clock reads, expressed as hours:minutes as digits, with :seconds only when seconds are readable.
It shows 3:51
